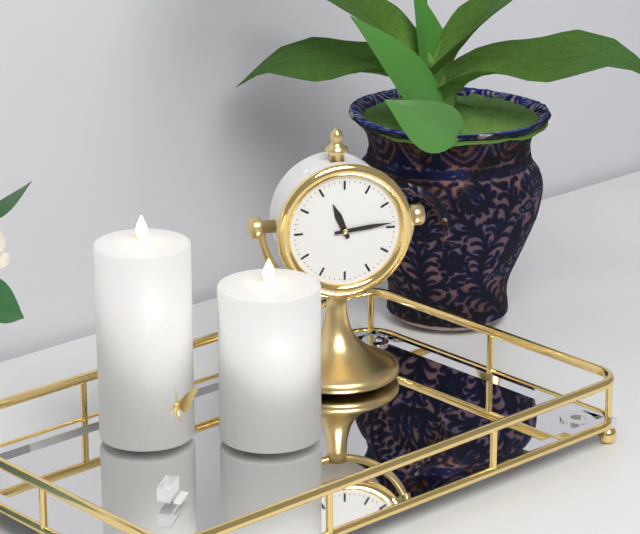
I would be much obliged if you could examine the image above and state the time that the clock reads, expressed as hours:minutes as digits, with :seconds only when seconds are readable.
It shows 11:14
